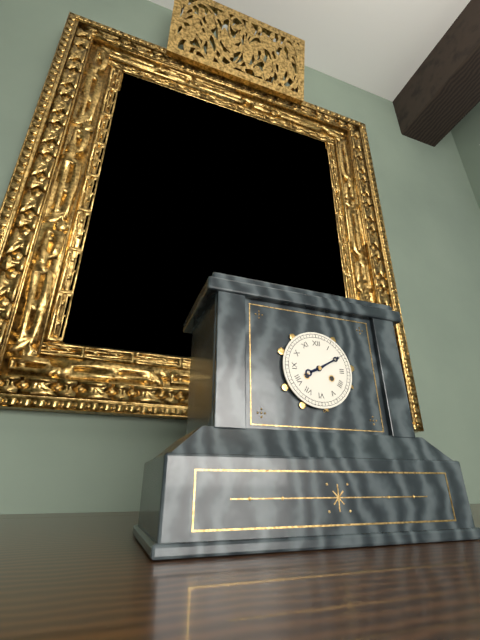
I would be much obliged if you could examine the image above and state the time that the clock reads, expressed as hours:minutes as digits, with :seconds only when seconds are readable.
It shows 8:10
